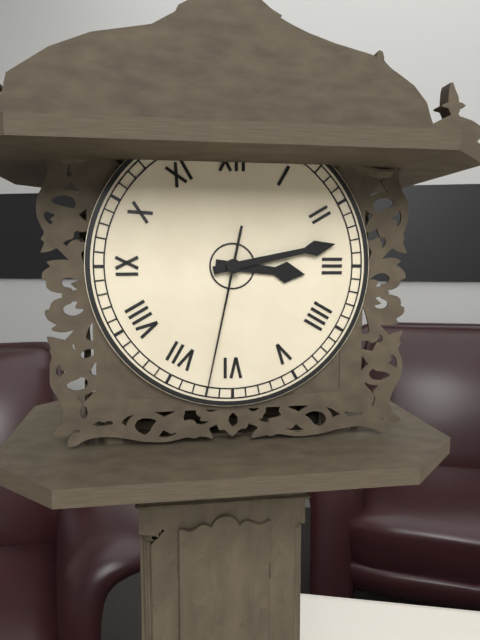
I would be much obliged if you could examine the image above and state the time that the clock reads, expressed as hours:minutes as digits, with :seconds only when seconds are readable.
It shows 3:13:32
